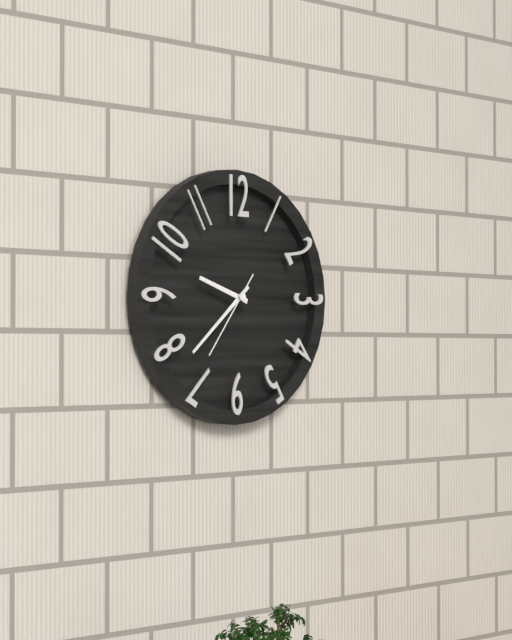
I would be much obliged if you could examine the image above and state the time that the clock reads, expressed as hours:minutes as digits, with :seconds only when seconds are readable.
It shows 9:38:36
